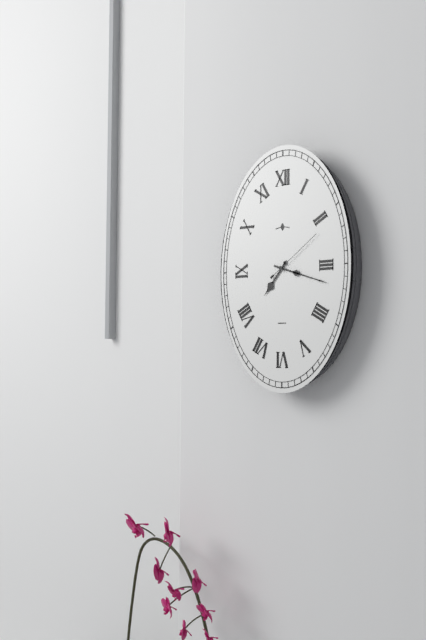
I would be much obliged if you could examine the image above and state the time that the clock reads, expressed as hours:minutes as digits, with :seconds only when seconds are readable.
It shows 7:18:09
